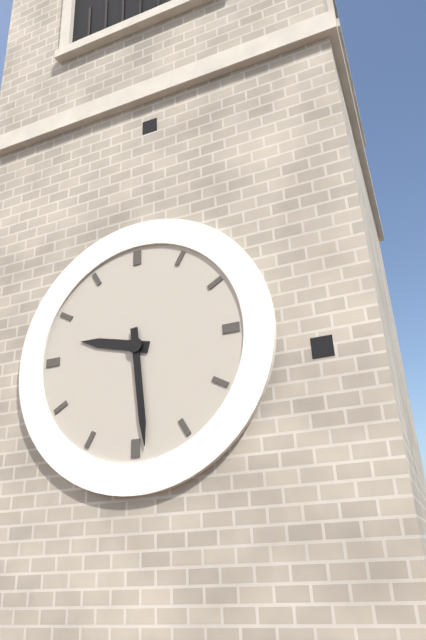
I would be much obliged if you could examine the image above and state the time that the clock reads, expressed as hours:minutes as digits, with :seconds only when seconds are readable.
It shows 9:29
